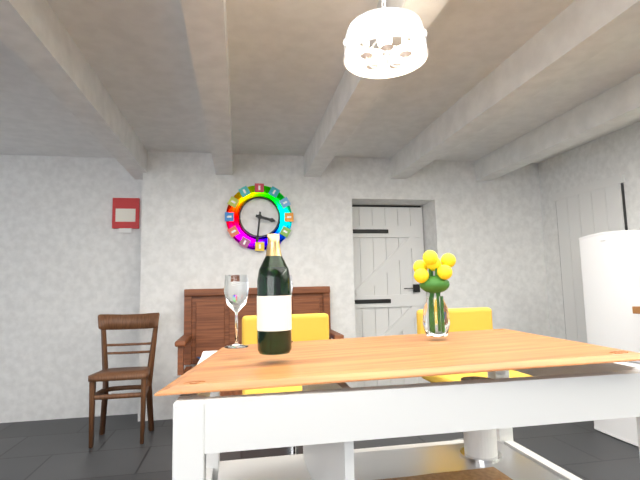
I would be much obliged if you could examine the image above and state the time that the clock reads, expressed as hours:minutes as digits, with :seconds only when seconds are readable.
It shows 3:31
